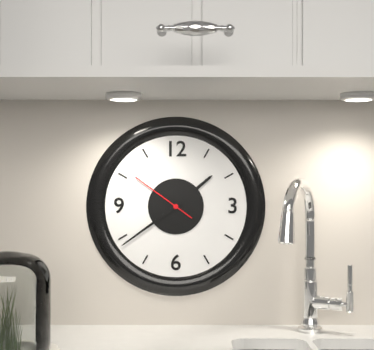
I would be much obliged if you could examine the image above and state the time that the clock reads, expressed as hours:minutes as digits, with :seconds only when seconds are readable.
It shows 1:39:51
